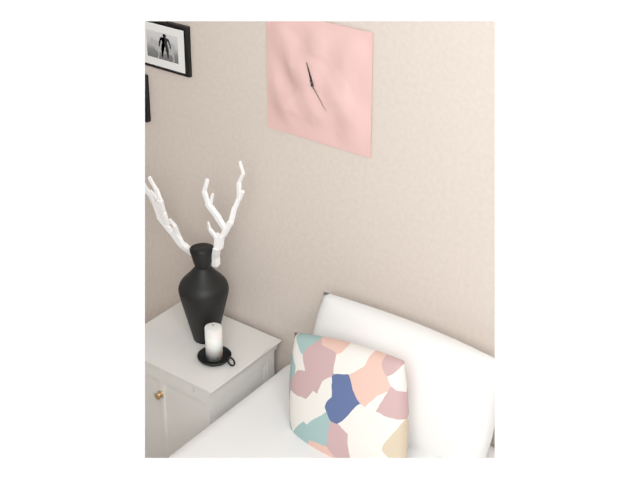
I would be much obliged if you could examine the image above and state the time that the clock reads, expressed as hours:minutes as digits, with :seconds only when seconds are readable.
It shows 11:24
